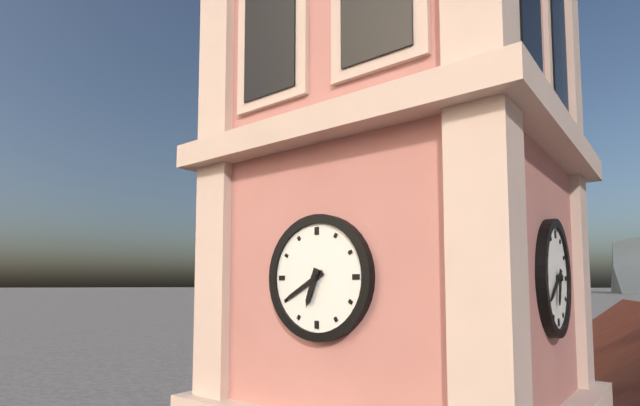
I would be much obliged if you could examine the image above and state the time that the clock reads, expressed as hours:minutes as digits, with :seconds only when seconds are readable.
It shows 6:40
